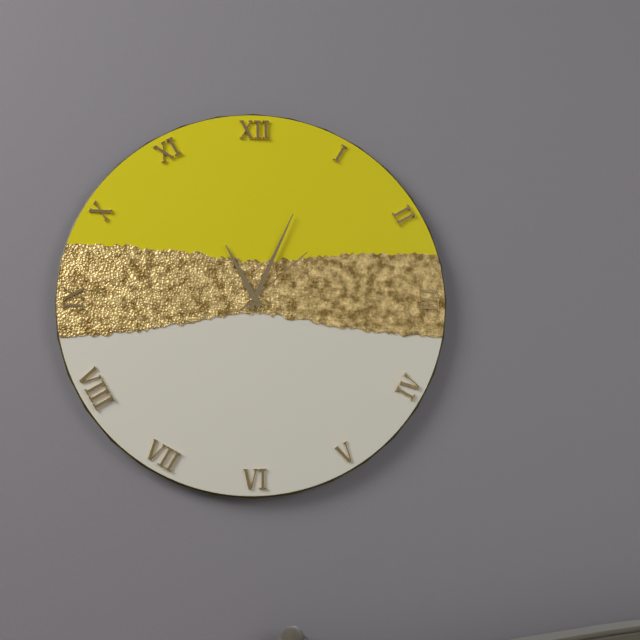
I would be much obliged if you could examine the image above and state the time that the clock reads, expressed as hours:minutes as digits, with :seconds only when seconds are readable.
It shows 11:04:08
